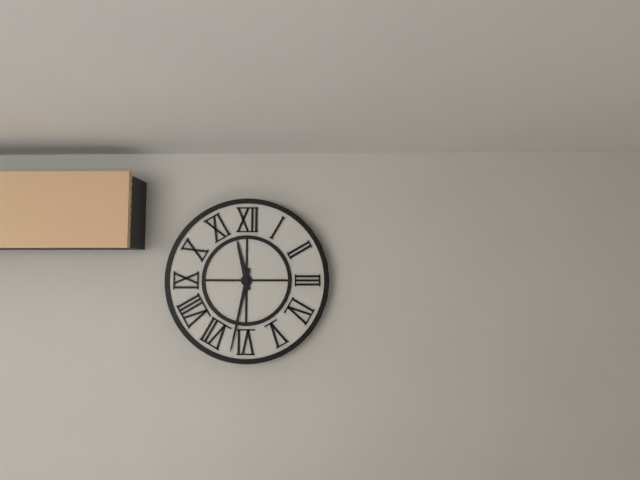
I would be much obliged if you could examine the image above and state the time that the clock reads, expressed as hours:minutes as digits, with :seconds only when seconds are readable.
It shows 11:32
